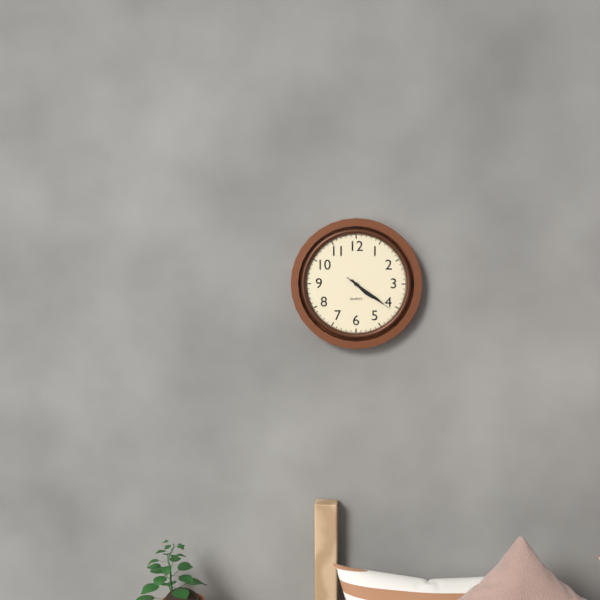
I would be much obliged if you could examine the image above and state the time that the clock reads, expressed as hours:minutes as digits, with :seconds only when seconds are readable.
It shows 4:21:21
